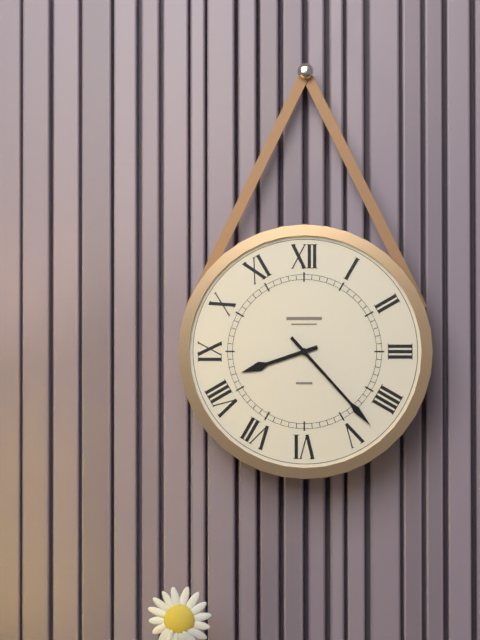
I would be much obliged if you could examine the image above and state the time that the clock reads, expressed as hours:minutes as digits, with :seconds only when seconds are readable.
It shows 8:23
